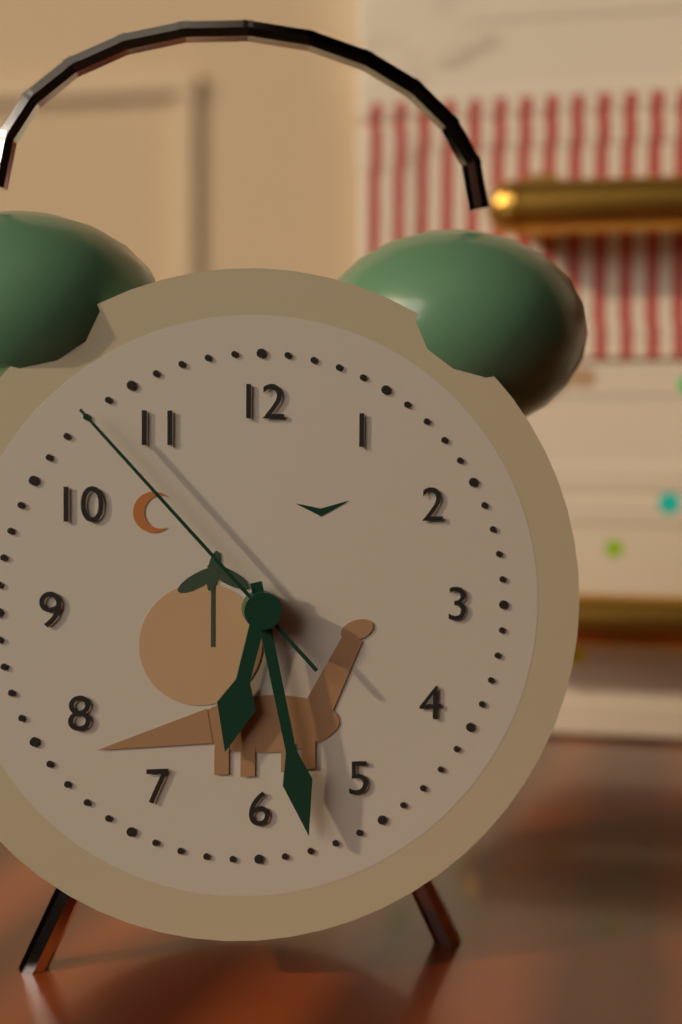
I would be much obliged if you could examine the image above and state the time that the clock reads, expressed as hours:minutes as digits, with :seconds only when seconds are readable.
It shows 6:28:53
